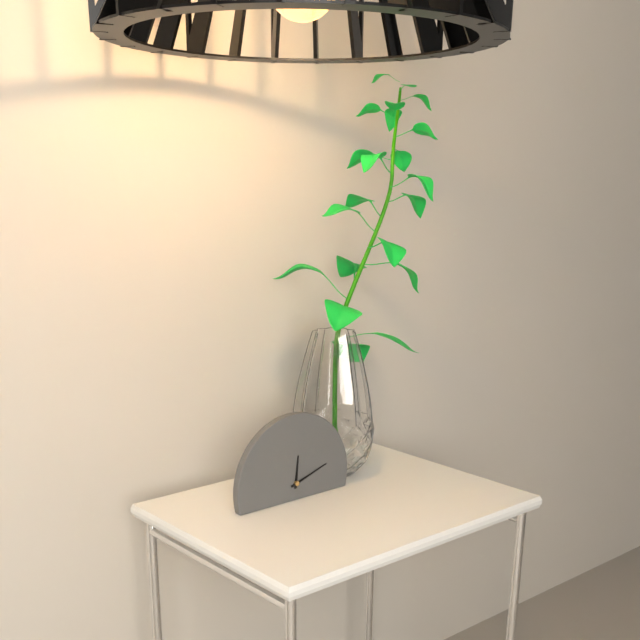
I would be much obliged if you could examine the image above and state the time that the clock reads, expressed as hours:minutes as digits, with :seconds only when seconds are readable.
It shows 12:12
